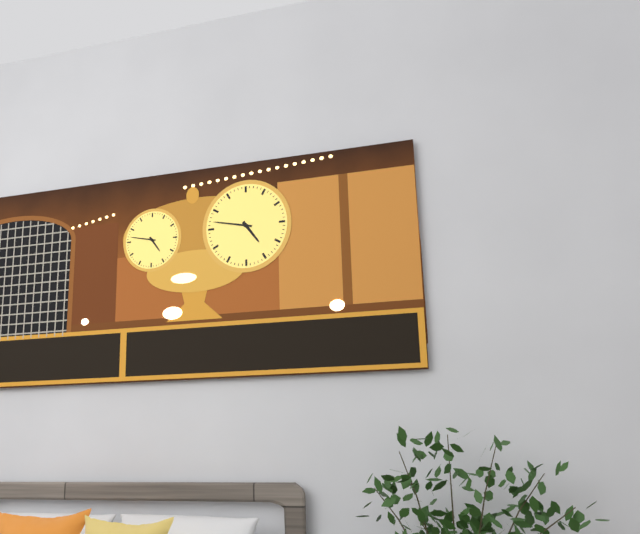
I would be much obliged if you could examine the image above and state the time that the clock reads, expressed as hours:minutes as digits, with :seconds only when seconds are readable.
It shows 4:47
